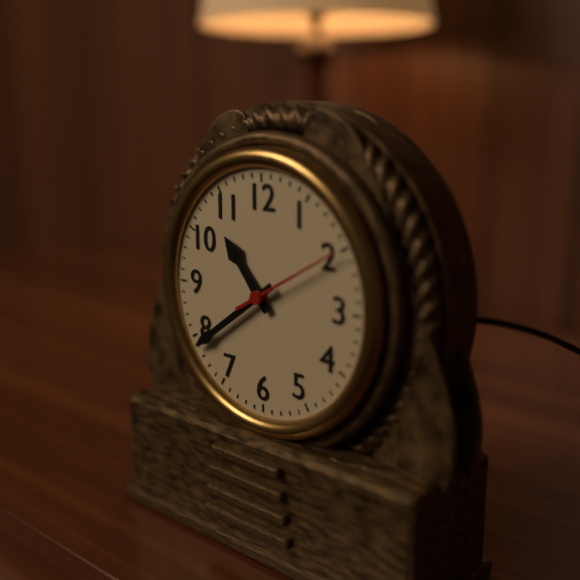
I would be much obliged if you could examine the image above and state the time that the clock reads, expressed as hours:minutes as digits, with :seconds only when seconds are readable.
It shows 10:39:10
